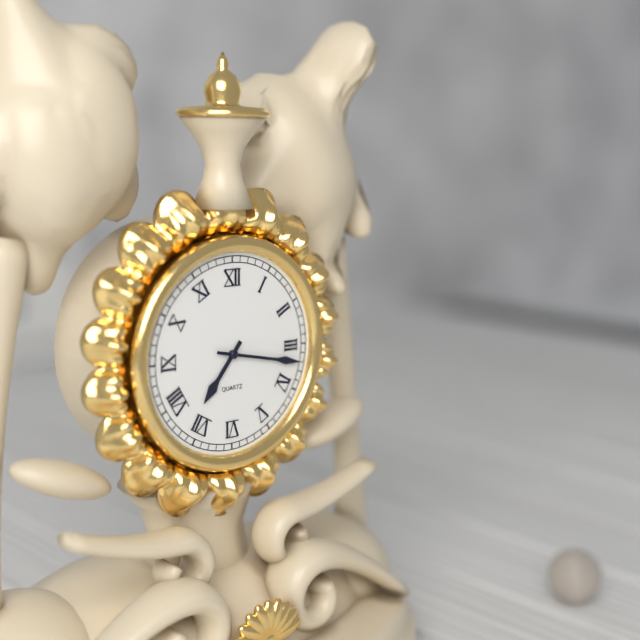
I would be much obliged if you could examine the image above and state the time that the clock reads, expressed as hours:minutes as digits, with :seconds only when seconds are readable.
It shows 7:17
